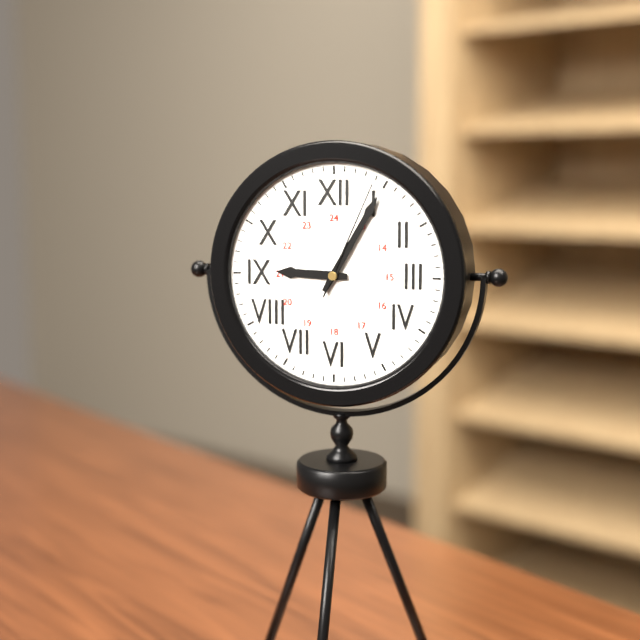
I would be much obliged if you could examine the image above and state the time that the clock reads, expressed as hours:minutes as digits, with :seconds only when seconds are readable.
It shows 9:05:04
